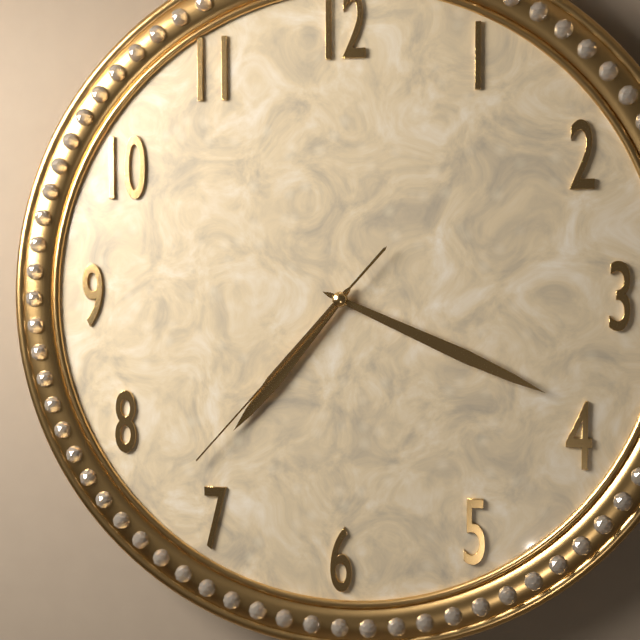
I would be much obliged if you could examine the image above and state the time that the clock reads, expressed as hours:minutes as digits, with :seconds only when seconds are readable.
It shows 7:19:37
